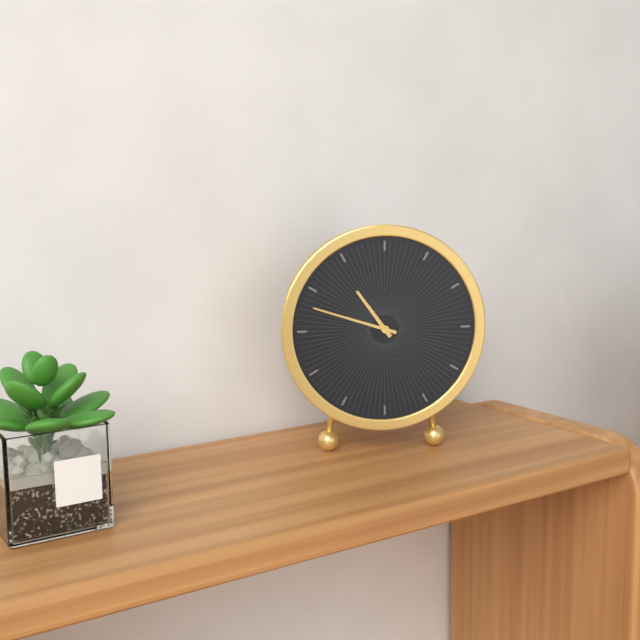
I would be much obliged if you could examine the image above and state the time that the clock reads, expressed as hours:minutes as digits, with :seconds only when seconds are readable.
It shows 10:48
